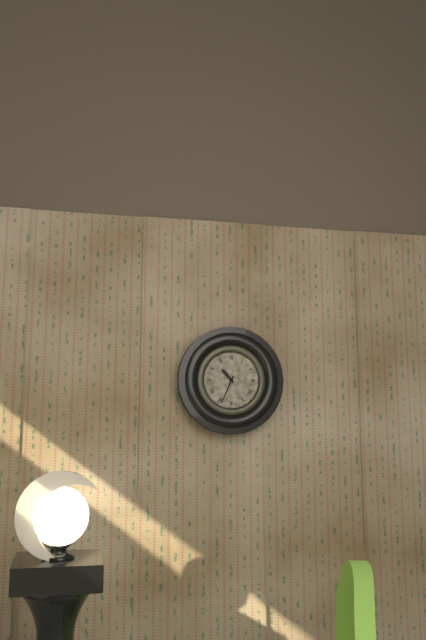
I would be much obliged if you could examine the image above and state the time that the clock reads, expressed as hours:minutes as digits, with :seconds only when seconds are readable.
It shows 10:34
